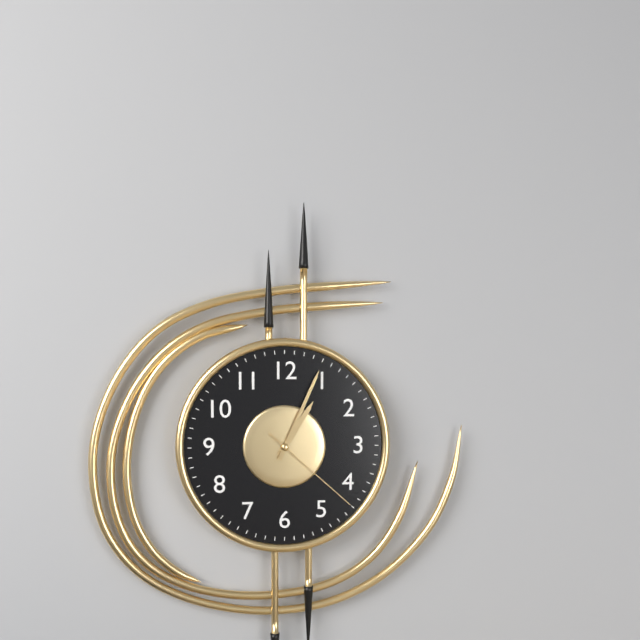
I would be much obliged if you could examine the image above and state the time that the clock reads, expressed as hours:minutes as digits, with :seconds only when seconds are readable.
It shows 1:04:22
